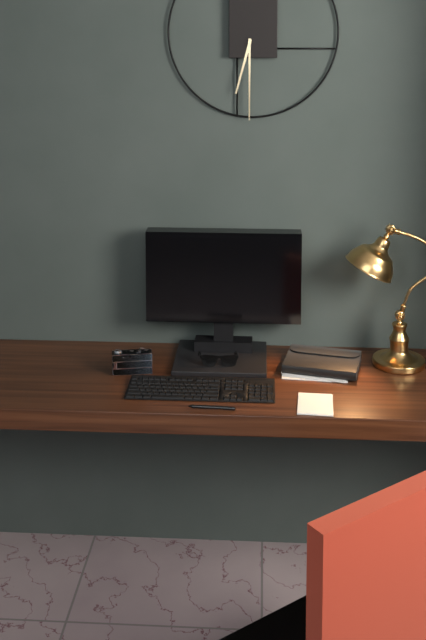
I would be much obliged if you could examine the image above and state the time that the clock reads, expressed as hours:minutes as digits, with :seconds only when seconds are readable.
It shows 6:30
